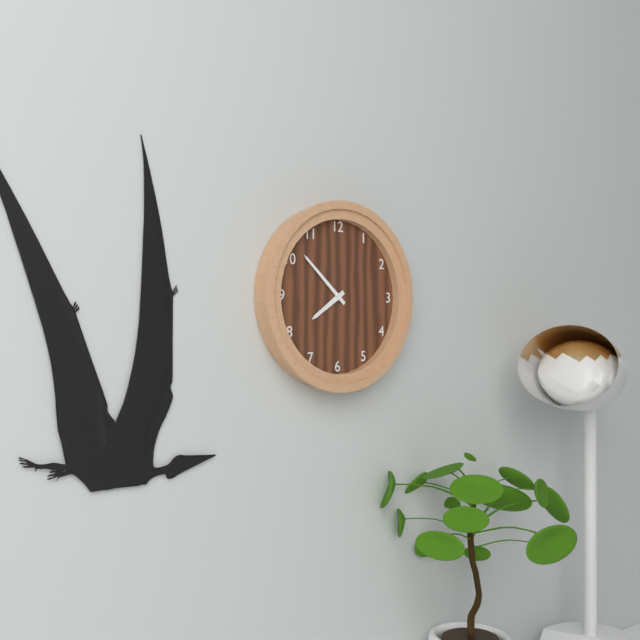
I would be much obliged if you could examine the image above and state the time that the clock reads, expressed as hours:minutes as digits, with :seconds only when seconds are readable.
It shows 7:52
